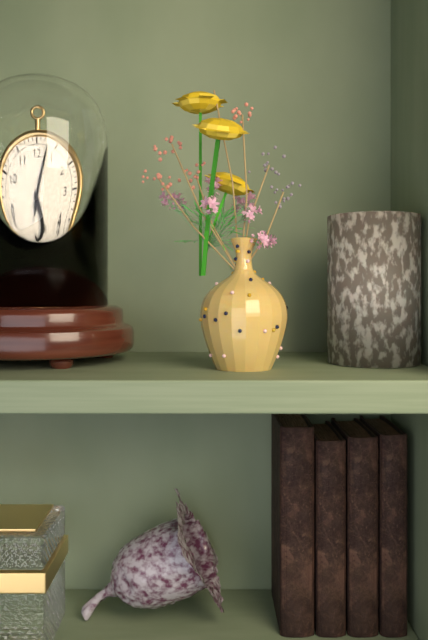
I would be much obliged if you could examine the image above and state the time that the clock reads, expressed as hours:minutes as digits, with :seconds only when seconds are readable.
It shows 5:03
